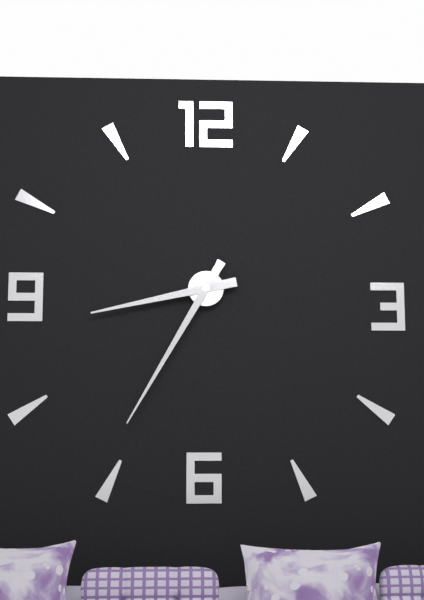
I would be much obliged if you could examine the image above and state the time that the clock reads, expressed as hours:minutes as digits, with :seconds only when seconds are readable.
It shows 8:35
